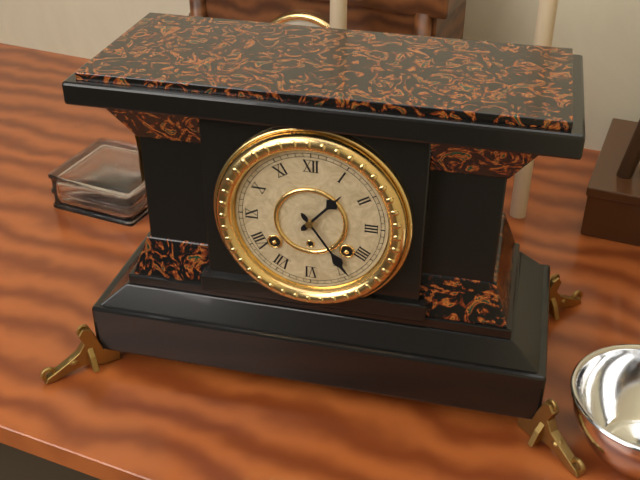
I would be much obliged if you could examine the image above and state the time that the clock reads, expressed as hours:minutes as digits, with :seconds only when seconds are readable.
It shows 1:24
